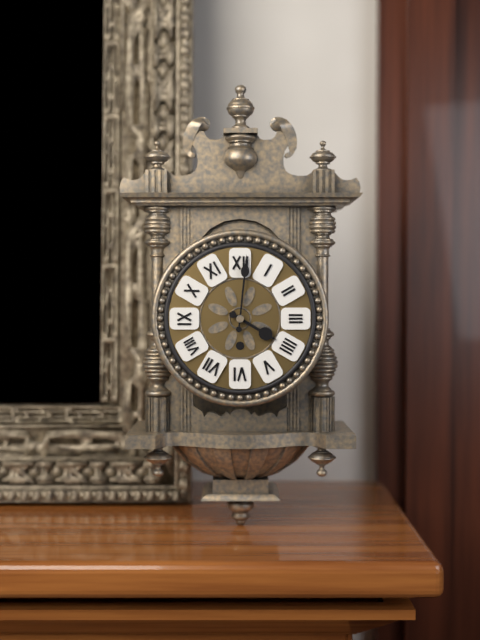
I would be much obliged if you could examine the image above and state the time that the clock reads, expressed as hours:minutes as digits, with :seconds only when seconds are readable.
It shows 4:01
